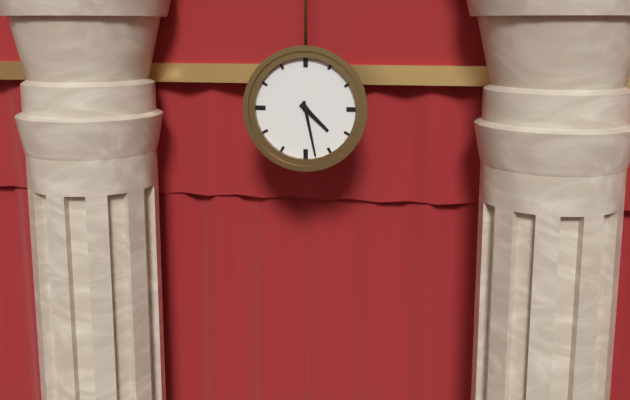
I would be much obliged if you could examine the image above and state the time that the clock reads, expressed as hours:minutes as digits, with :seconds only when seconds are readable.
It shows 4:28
